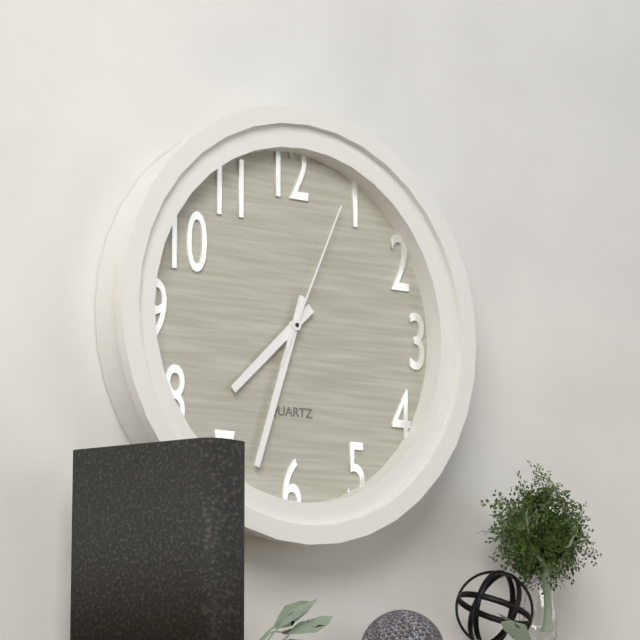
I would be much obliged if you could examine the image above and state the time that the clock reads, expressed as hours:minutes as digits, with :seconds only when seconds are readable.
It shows 7:33:04
